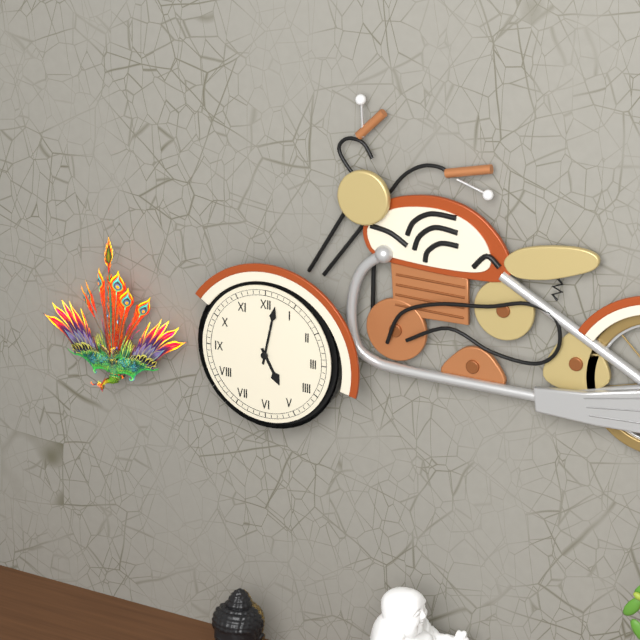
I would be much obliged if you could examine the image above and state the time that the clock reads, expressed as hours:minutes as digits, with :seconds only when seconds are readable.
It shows 5:02
